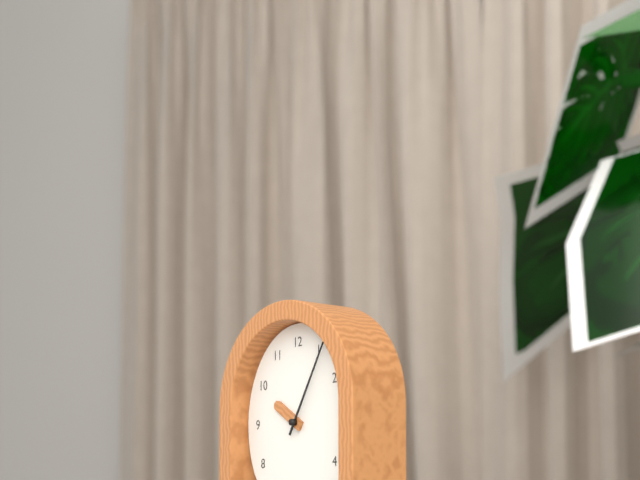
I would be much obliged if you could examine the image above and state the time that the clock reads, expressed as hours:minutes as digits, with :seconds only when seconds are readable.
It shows 10:05
